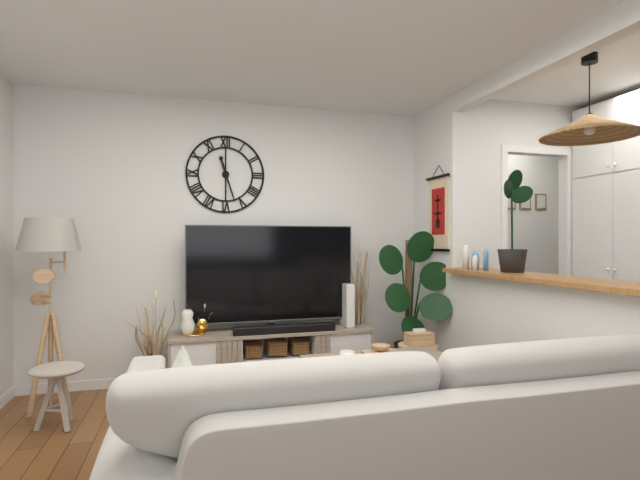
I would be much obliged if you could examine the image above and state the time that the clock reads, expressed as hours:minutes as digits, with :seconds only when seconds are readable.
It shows 11:27
